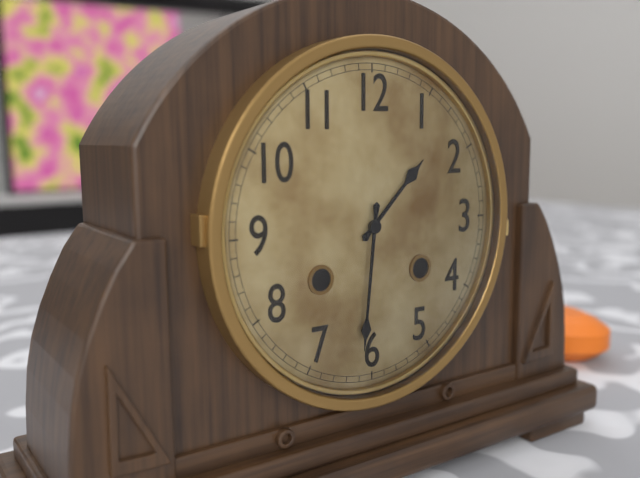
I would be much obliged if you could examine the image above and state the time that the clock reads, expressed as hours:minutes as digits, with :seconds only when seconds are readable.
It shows 1:31
